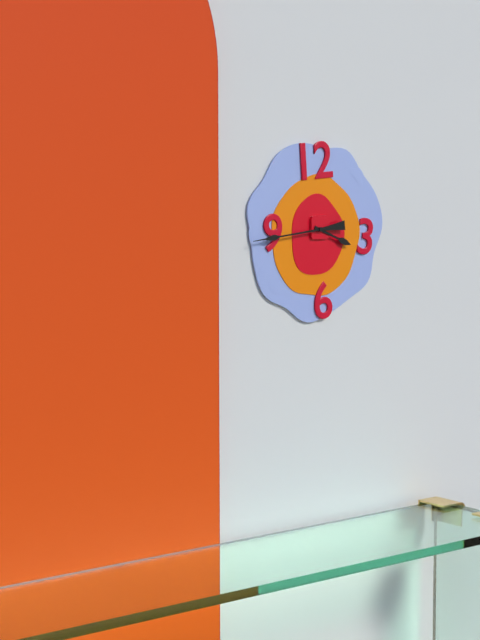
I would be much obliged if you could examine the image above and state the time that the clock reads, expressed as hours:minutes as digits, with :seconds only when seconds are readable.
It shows 3:44
